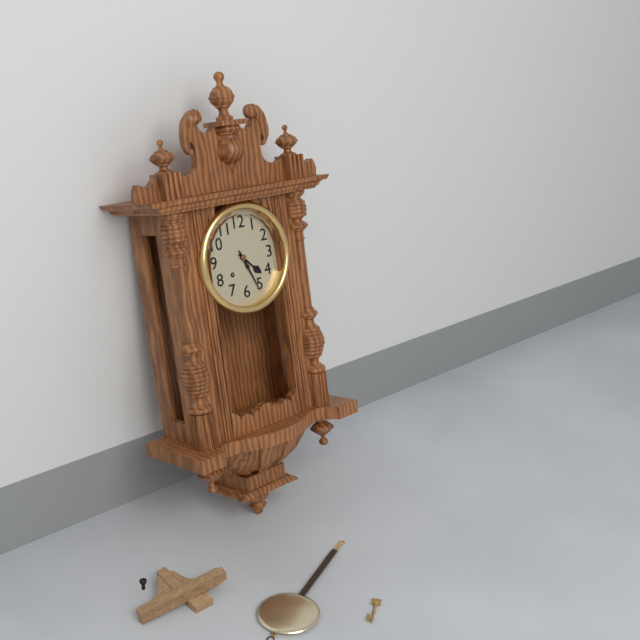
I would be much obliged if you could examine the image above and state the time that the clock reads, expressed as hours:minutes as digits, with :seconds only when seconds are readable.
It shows 4:26
